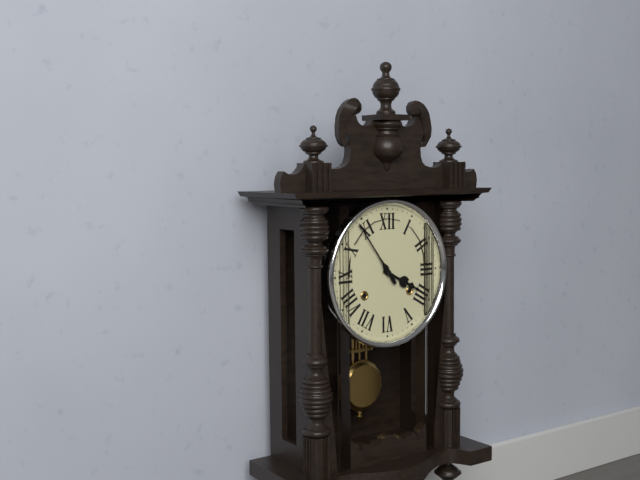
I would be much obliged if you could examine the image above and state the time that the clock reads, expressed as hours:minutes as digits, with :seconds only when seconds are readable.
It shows 3:54
